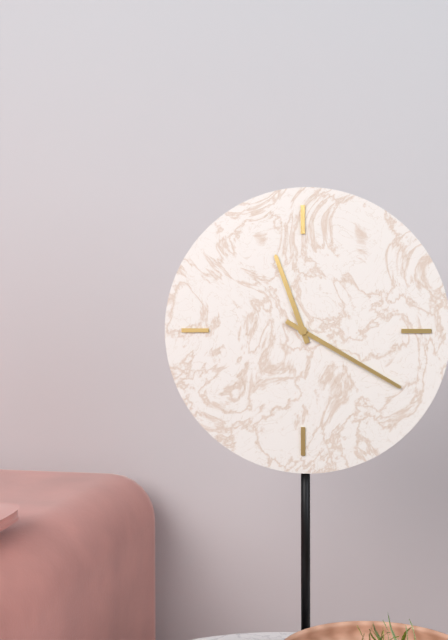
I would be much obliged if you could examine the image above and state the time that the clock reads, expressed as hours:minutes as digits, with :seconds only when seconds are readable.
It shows 11:20
